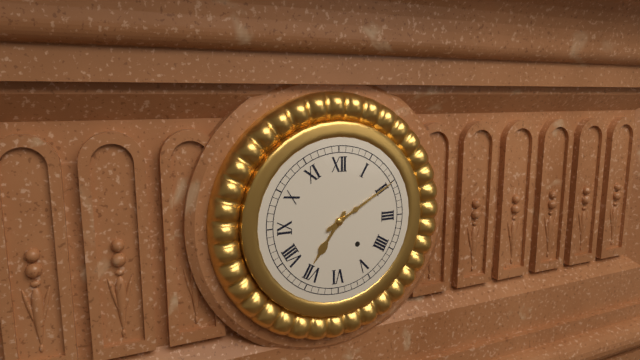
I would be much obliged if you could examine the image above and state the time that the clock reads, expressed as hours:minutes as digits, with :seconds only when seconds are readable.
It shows 7:10
